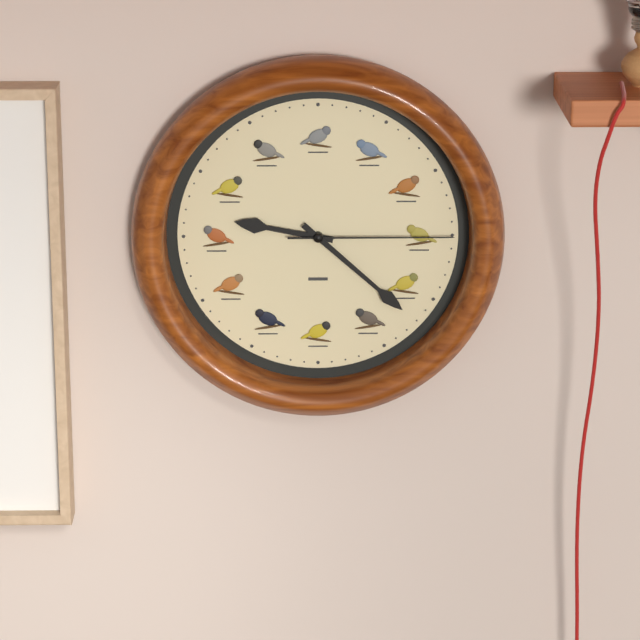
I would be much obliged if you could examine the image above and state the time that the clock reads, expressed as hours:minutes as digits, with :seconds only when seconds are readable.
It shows 9:22:15
